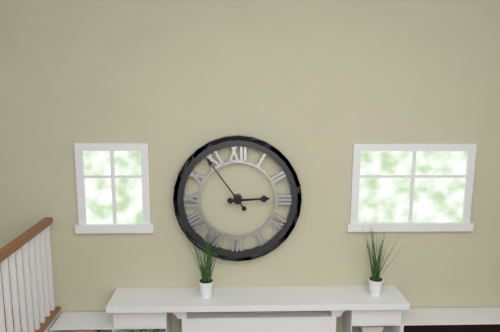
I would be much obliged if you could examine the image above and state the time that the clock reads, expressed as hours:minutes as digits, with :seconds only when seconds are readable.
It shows 2:54
